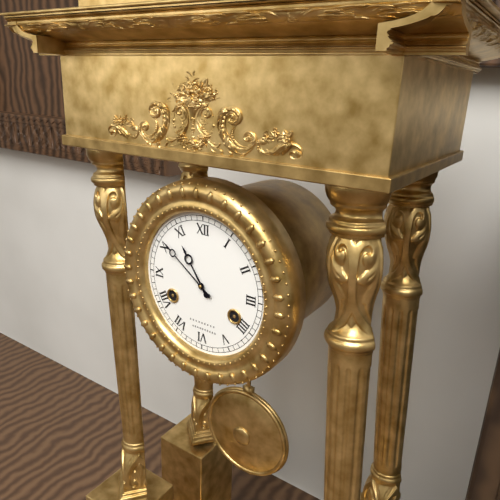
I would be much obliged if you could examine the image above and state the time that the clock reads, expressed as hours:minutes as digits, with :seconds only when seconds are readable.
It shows 10:51
